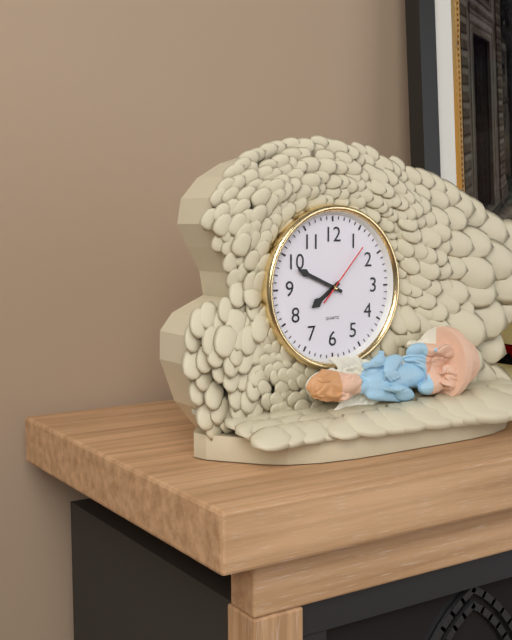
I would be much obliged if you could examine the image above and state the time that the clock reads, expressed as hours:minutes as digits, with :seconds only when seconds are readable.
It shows 7:49:07
